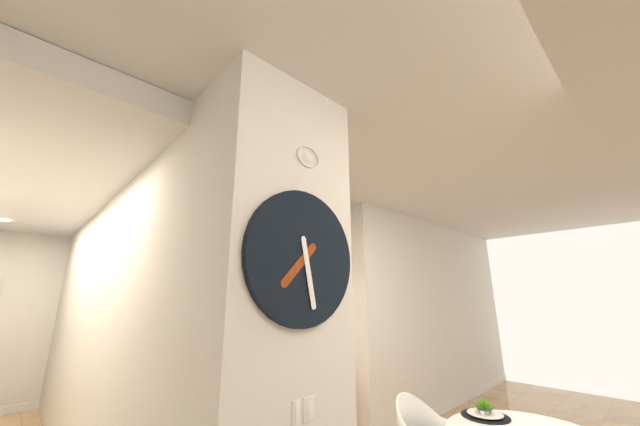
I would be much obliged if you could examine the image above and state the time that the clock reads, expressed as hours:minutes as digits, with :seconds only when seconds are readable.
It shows 7:28
